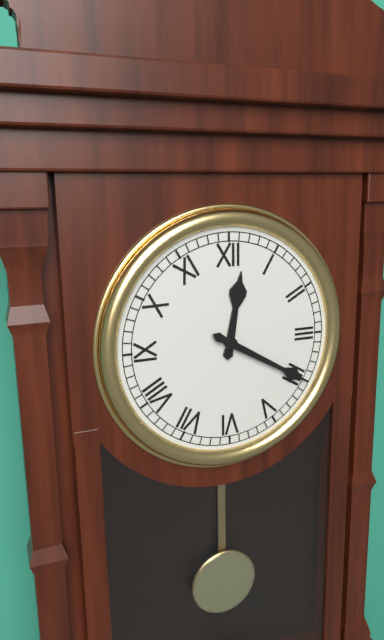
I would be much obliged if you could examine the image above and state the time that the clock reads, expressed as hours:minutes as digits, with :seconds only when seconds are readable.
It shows 12:20
